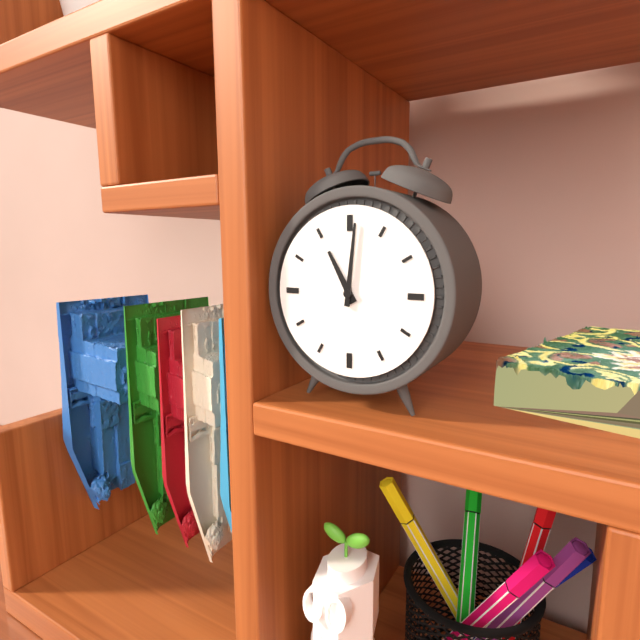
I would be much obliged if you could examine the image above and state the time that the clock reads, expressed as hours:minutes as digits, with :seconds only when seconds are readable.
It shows 11:01
